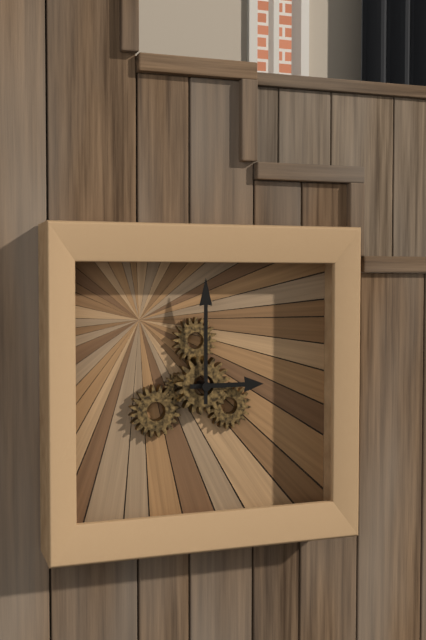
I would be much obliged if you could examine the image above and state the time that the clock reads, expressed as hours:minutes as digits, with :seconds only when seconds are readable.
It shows 3:00
